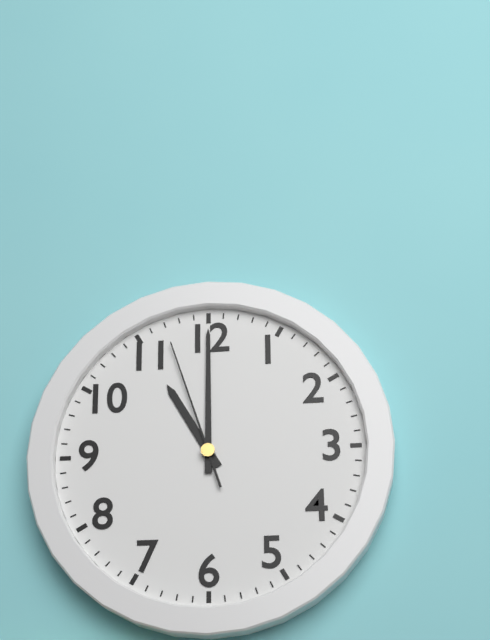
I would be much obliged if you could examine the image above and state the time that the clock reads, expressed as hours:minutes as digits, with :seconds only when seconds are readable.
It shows 11:00:57
